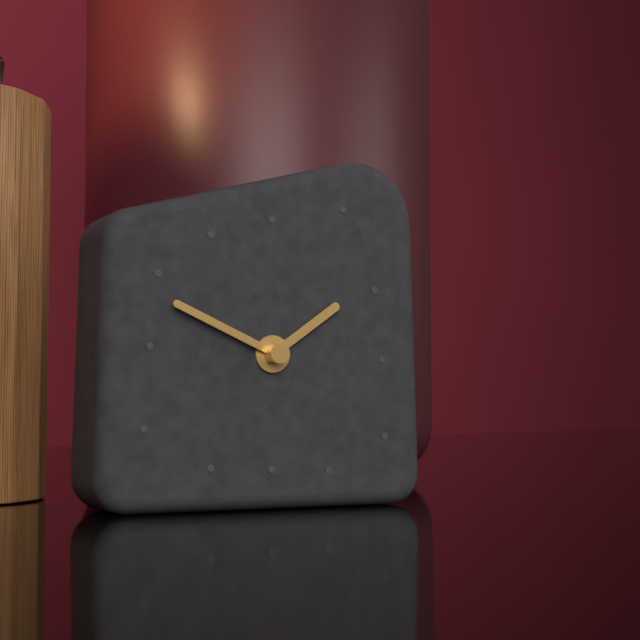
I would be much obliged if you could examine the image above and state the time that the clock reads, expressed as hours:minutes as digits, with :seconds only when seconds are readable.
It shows 1:49
